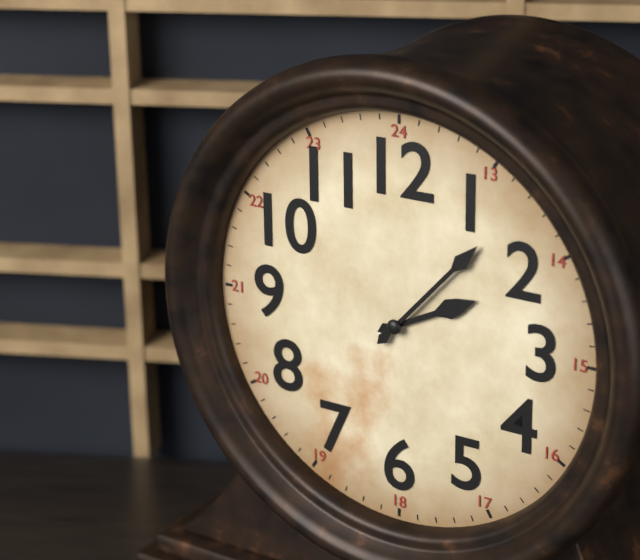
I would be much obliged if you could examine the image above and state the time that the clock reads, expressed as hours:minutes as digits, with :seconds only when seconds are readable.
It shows 2:07
